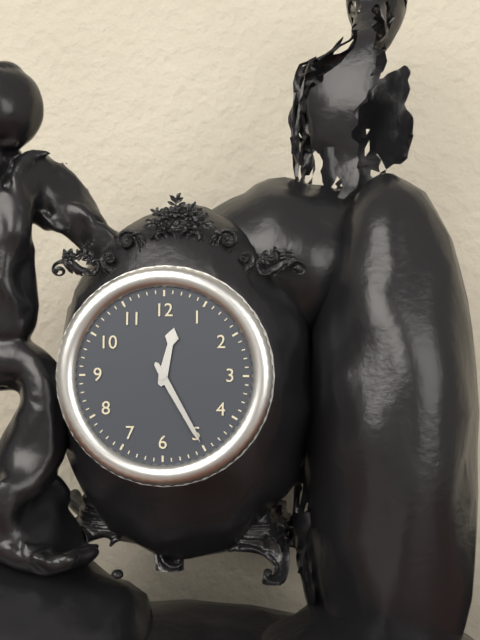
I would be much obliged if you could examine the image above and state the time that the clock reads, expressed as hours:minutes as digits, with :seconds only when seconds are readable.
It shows 12:25
